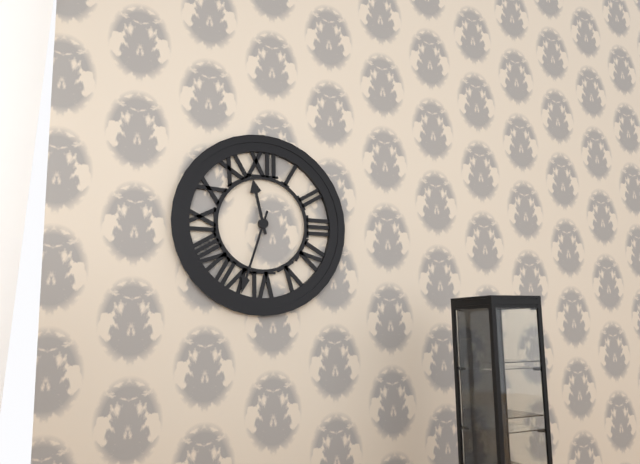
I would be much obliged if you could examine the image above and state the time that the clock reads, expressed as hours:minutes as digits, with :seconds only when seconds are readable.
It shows 11:33
